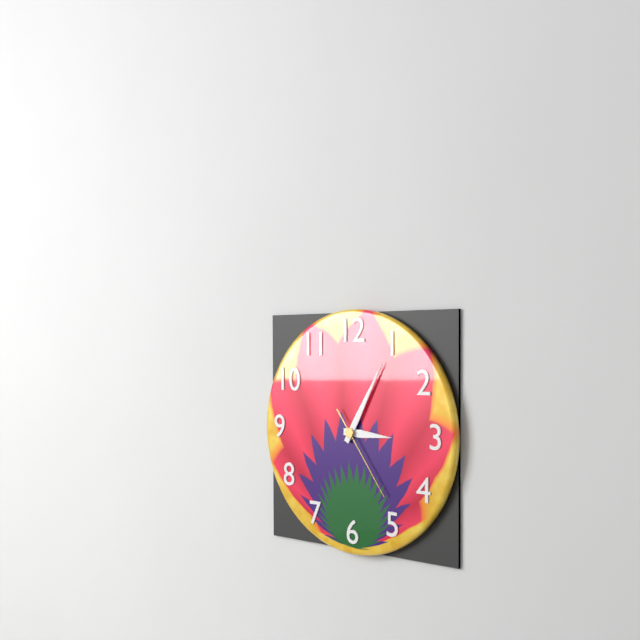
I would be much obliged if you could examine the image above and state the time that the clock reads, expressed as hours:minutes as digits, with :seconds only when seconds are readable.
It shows 3:05:24
